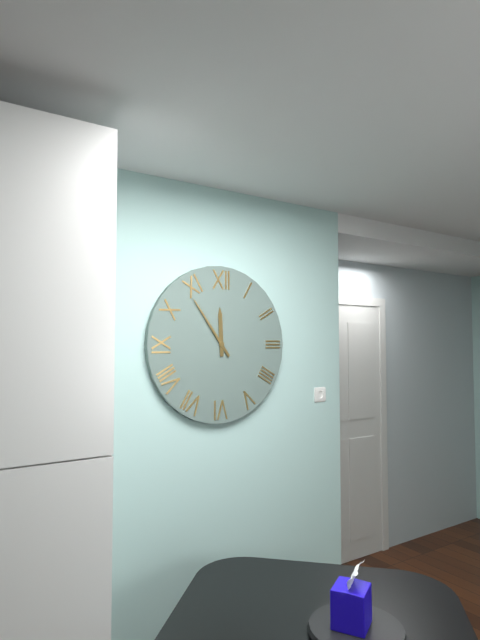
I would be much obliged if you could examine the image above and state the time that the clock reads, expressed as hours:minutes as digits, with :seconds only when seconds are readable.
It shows 11:54
